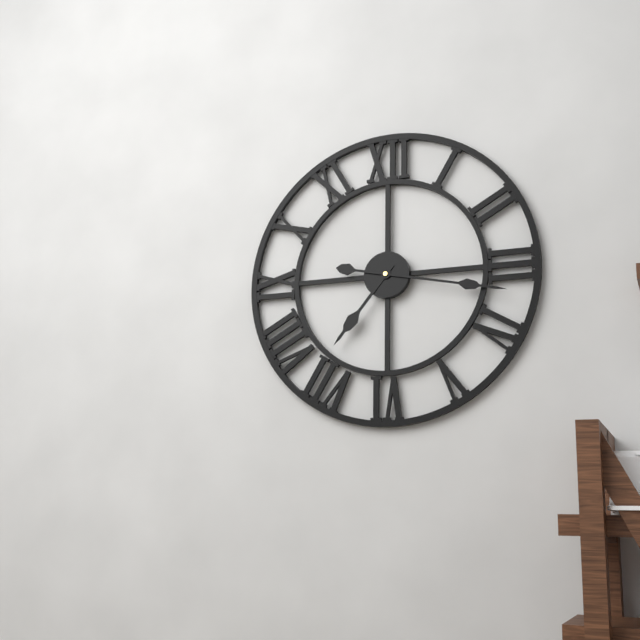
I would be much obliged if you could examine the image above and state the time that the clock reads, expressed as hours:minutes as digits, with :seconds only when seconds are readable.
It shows 7:17
